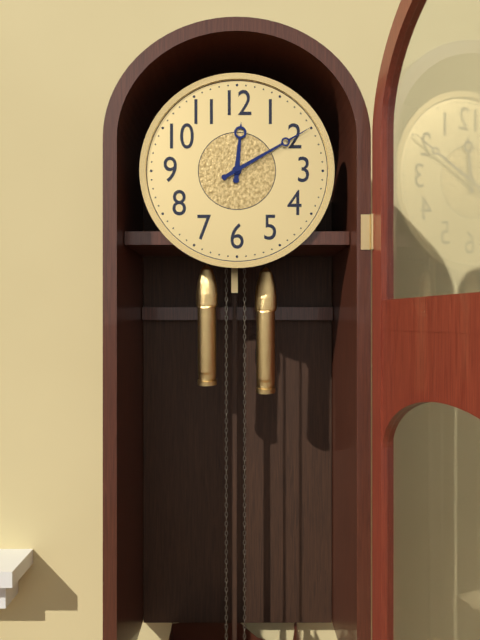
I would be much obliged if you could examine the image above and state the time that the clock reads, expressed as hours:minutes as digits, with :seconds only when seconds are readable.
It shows 12:10
